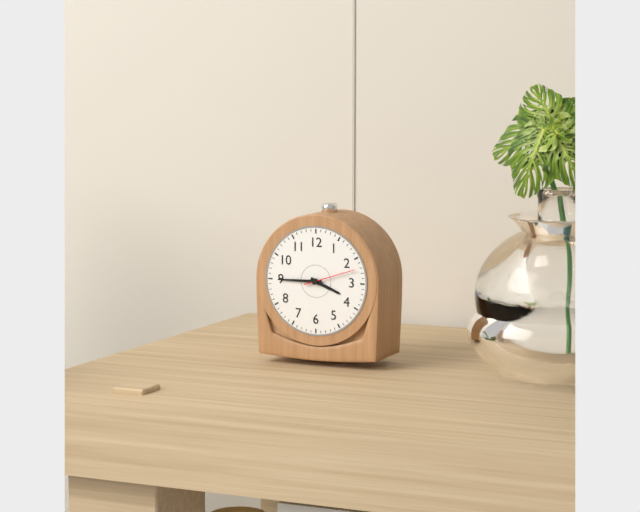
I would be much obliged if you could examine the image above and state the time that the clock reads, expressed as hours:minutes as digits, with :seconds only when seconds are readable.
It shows 3:45:12
